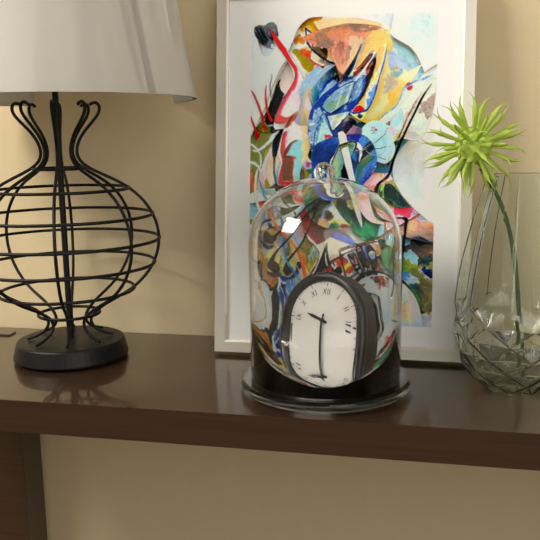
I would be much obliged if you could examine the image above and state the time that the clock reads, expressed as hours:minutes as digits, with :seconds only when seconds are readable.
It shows 9:31
